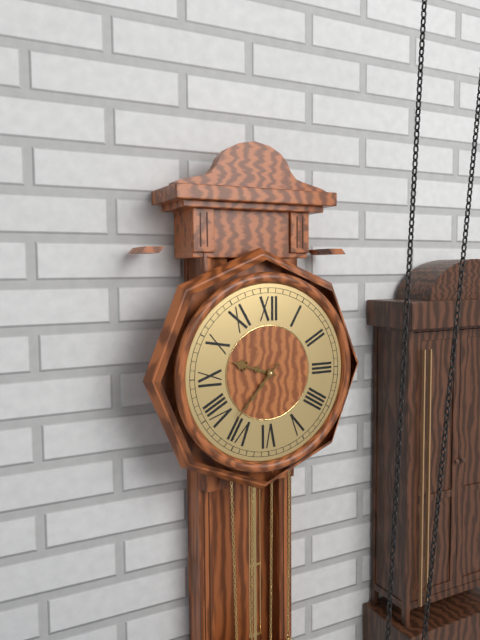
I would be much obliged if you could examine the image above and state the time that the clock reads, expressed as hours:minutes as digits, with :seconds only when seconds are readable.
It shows 9:37
